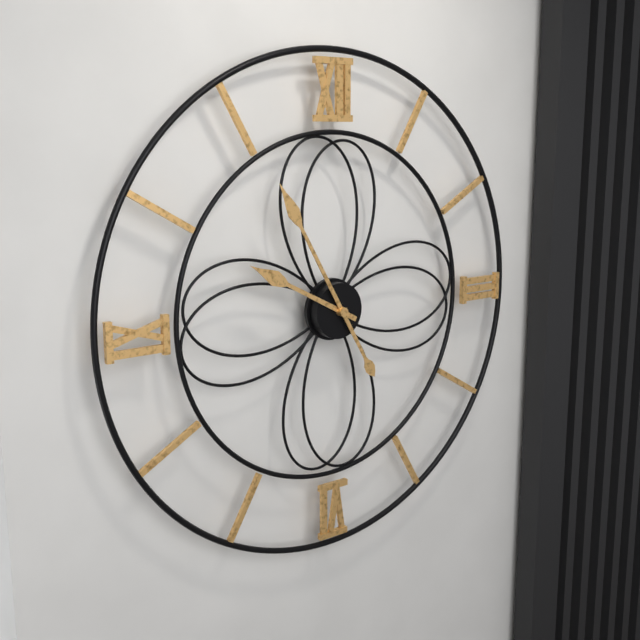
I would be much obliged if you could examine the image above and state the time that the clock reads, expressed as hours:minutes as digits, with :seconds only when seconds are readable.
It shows 9:55
